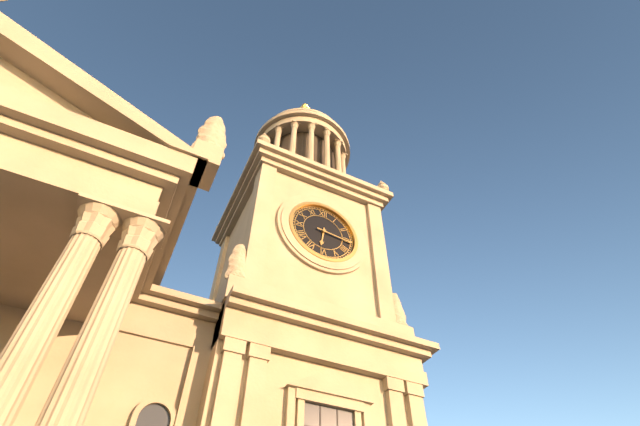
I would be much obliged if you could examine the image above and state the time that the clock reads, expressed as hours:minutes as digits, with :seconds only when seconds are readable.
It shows 6:16
